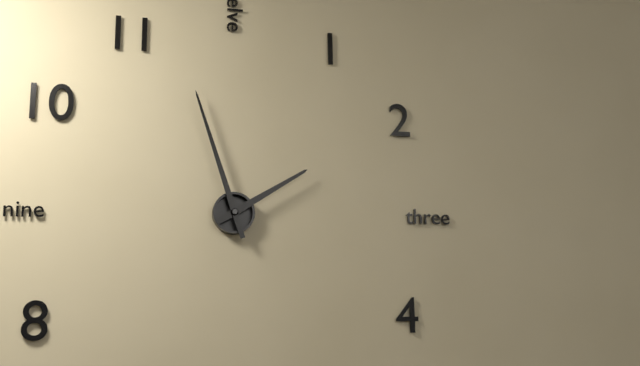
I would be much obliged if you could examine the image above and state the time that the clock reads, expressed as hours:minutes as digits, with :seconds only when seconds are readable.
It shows 1:57
